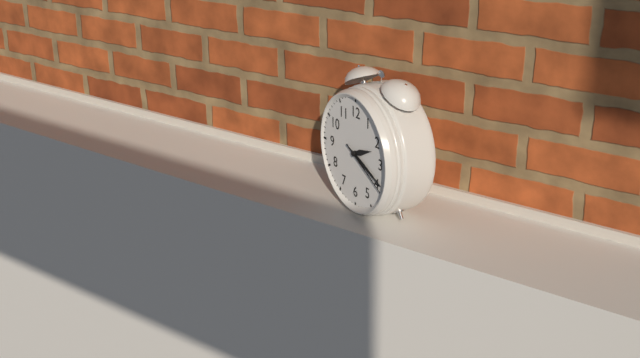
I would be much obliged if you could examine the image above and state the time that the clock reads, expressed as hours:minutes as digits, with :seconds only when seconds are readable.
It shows 2:19:20
